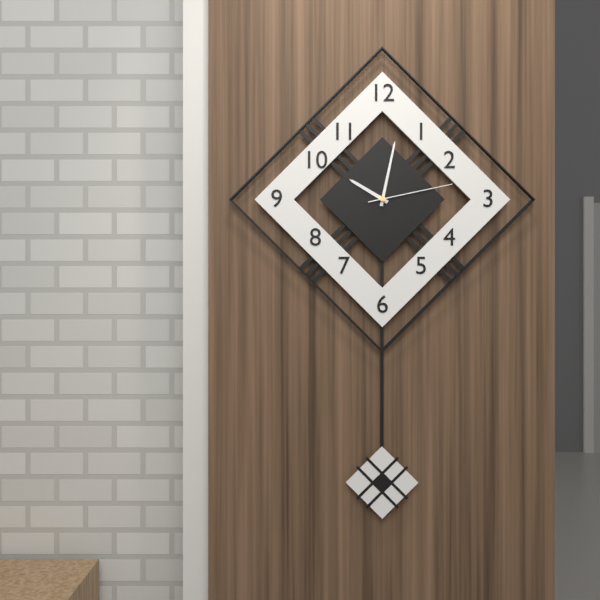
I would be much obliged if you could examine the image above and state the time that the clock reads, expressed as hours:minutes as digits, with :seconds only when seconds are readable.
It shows 10:02:13
